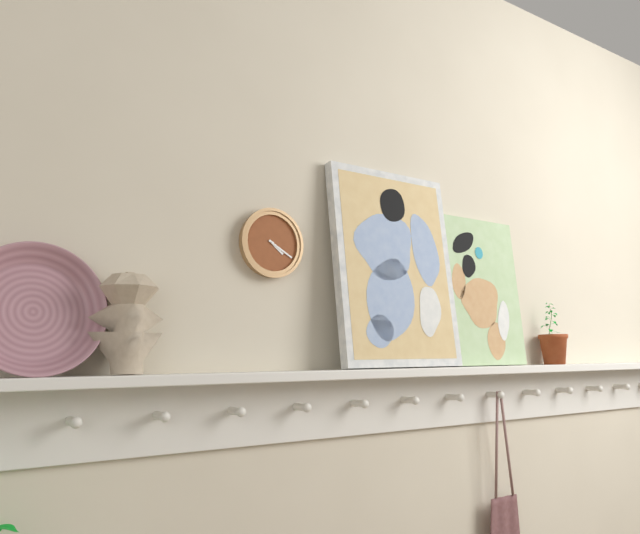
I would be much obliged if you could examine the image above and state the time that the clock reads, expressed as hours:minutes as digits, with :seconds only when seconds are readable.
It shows 4:20
